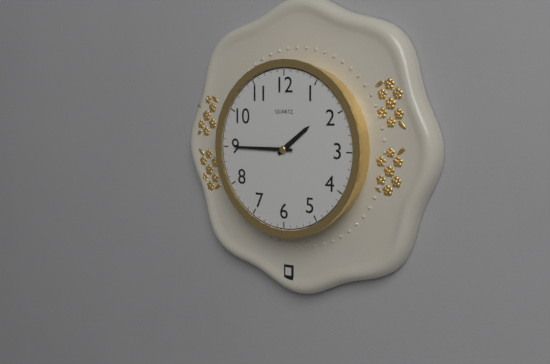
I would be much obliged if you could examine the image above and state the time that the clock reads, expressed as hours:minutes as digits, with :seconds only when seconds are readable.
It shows 1:45
